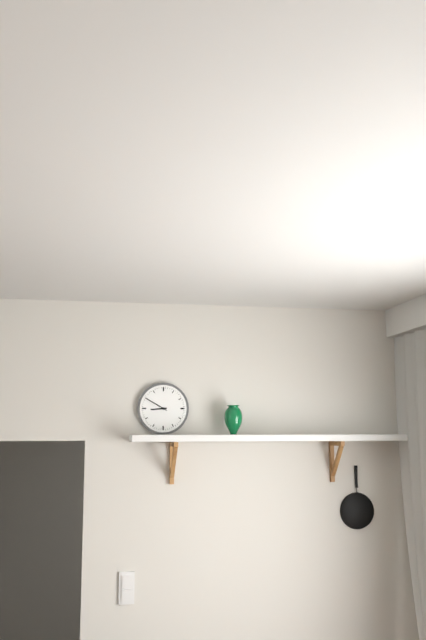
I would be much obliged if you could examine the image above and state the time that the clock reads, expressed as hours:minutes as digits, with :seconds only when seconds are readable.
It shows 8:50
